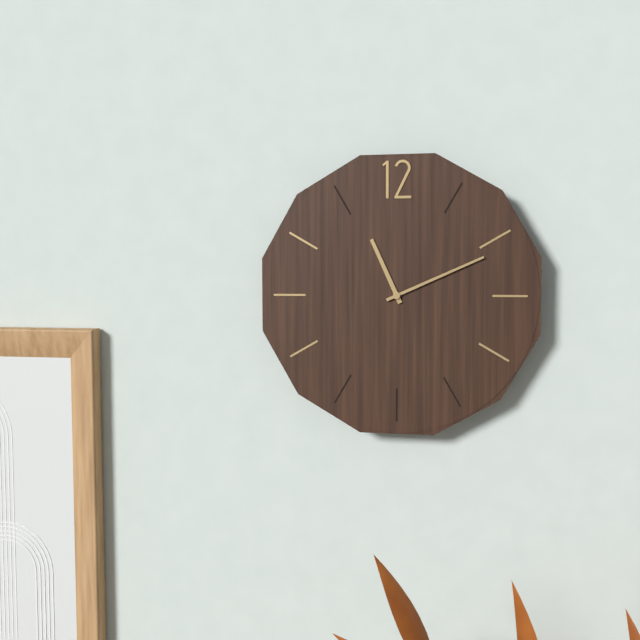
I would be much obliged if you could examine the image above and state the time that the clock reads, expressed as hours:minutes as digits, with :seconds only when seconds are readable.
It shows 11:11
